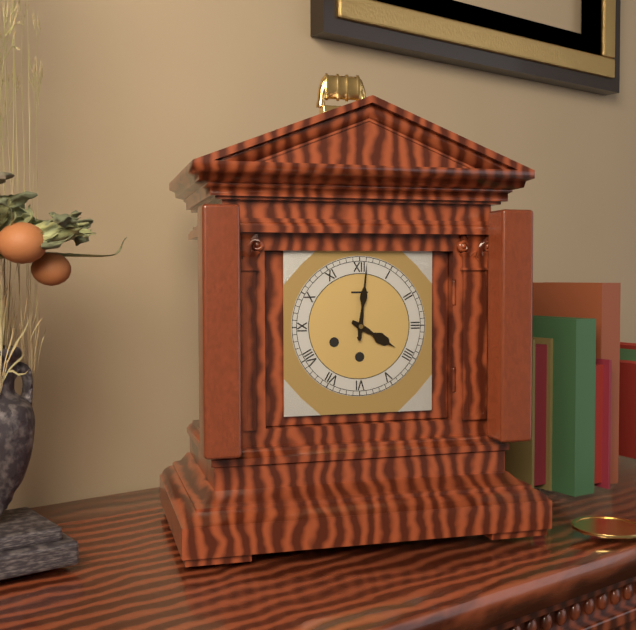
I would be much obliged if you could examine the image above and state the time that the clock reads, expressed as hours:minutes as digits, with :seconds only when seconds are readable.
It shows 4:01
